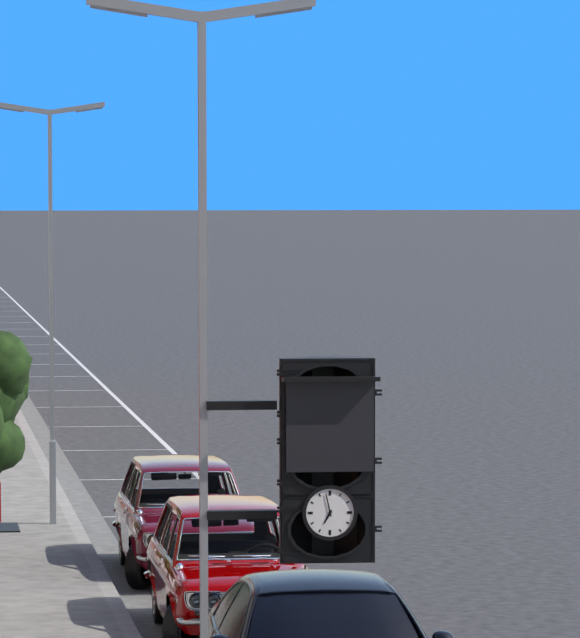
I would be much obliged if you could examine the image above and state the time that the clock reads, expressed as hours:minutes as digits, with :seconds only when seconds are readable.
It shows 6:58
